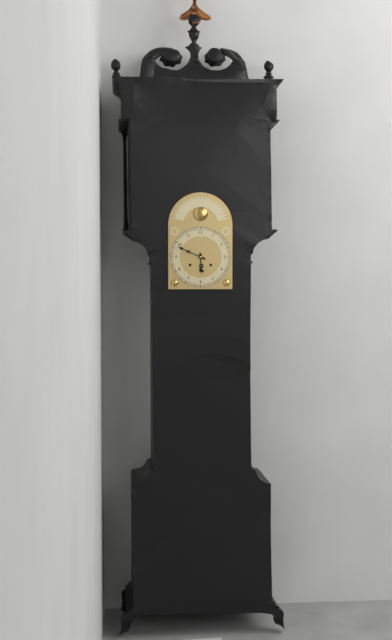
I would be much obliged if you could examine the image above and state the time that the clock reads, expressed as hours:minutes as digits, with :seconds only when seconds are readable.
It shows 5:49
